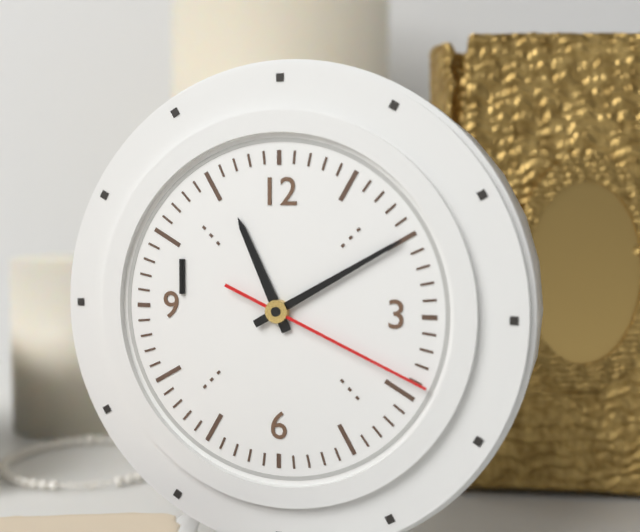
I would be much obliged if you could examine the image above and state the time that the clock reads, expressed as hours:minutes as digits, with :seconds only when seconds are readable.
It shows 11:10:19
